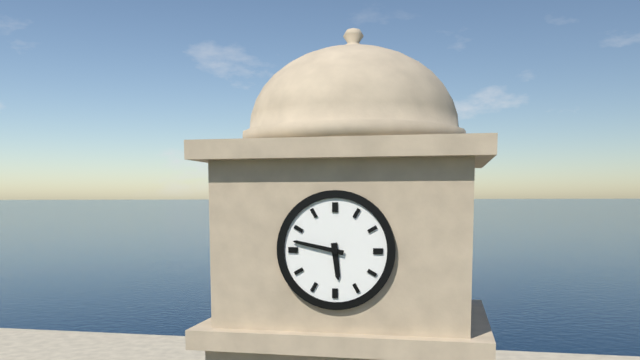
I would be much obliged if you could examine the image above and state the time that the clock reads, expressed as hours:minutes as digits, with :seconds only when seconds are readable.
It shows 5:47
